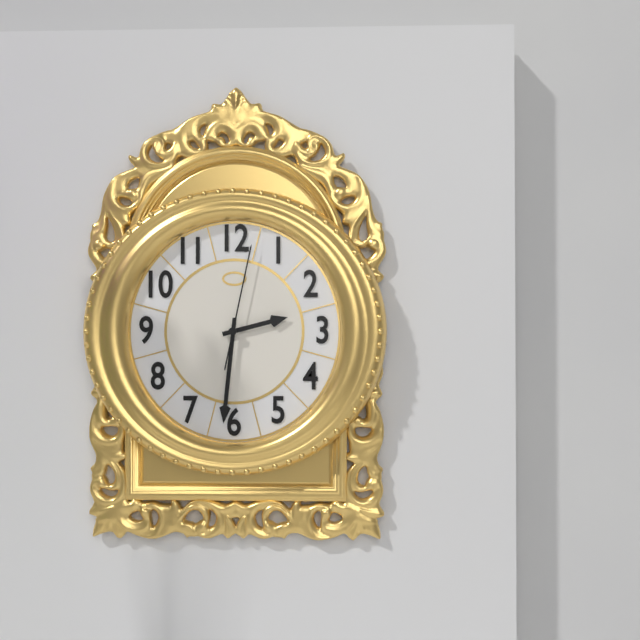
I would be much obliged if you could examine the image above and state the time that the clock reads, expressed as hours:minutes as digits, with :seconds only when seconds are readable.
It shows 2:31:02
